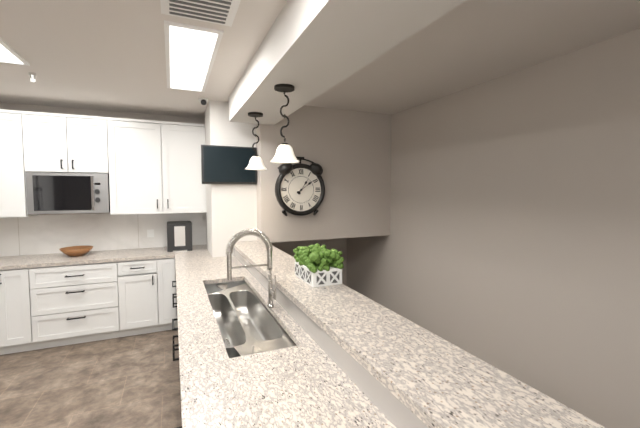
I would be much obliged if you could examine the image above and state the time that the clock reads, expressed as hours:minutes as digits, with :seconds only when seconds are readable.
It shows 1:09
